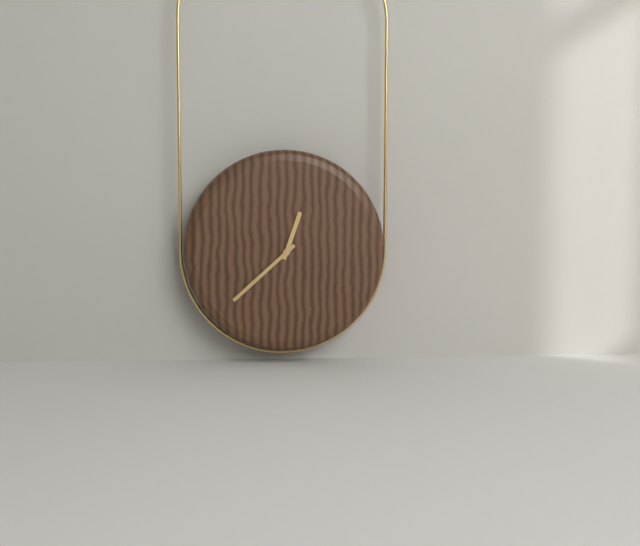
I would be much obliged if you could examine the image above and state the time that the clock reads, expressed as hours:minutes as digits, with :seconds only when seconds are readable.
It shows 12:38
